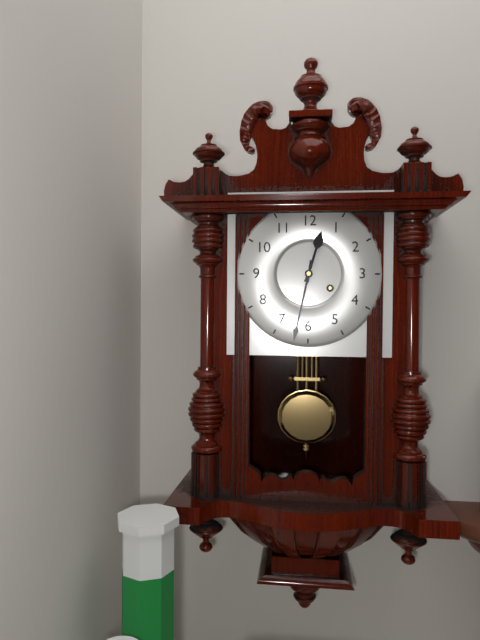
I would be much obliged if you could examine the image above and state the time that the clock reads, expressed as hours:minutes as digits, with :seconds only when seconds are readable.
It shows 12:32
